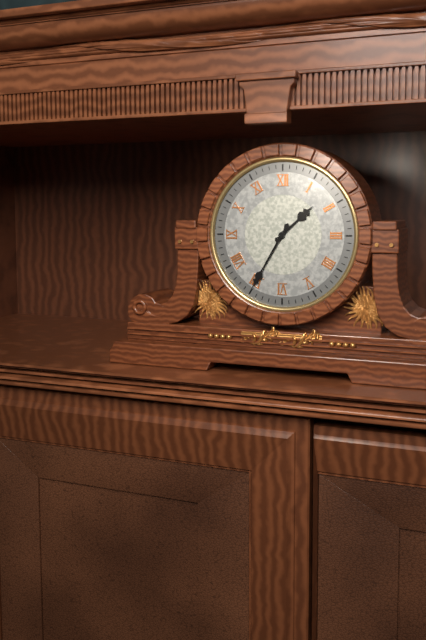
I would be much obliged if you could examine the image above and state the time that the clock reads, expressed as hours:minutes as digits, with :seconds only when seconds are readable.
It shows 1:35
